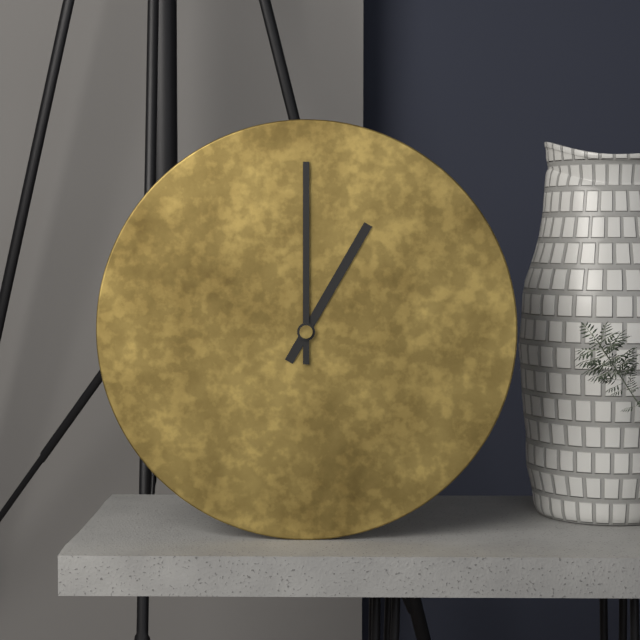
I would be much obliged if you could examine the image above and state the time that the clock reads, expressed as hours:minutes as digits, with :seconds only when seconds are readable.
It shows 1:00
